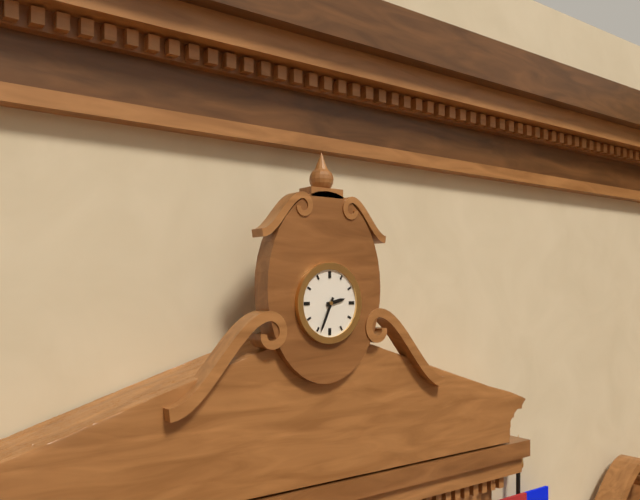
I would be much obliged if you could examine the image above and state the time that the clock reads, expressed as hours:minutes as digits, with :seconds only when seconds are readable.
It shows 2:34
